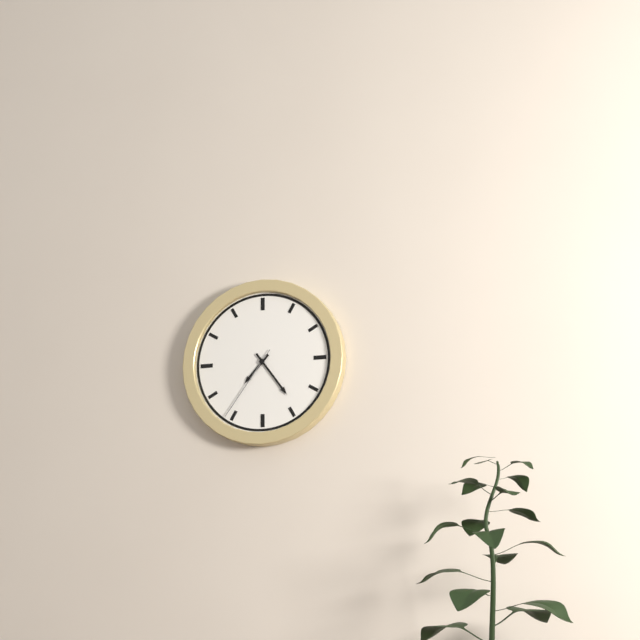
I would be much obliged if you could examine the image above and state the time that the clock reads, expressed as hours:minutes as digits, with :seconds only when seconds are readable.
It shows 7:24:36
